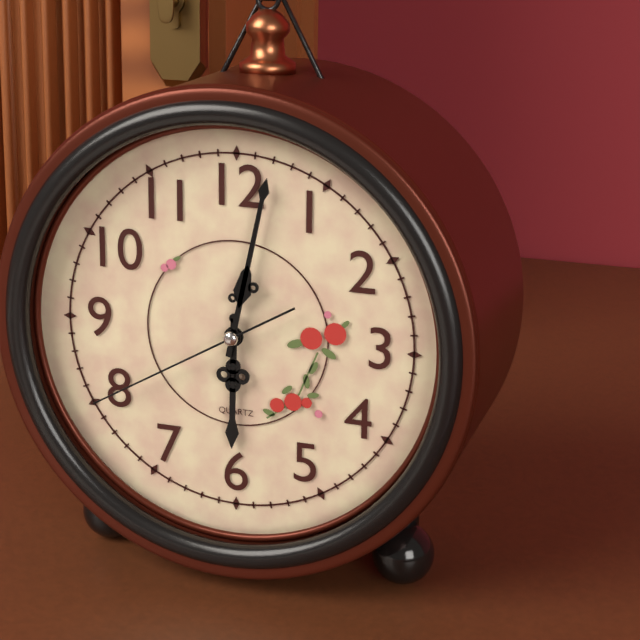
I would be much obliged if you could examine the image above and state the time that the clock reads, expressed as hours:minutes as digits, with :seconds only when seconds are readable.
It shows 6:02:40
